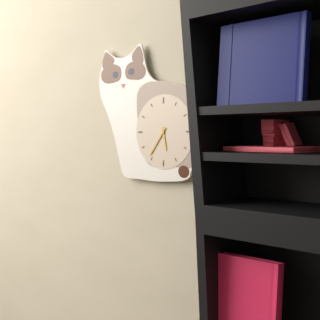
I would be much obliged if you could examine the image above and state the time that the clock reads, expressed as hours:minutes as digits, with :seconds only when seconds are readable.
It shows 5:36
